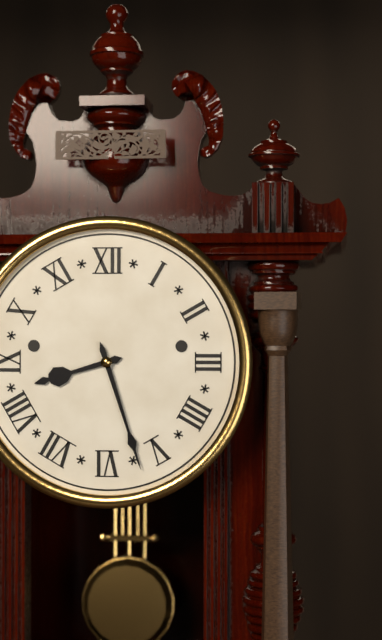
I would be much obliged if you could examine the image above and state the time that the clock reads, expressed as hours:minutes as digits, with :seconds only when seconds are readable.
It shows 8:27
